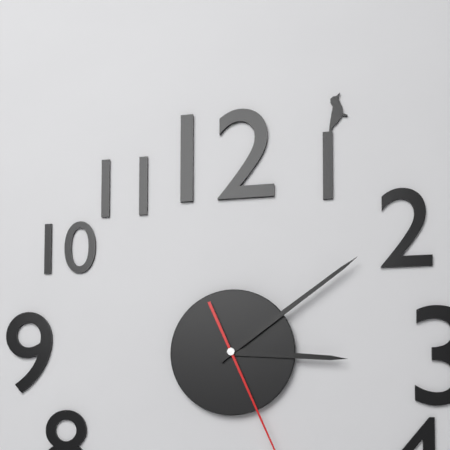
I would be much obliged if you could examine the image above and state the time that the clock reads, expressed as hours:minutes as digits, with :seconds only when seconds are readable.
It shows 3:09
